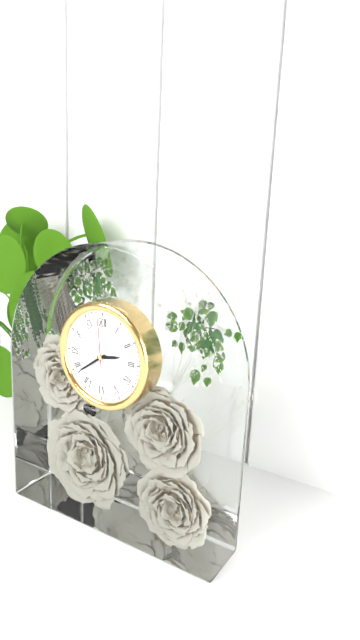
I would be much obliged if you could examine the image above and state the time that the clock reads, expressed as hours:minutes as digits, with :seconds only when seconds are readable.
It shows 2:39
